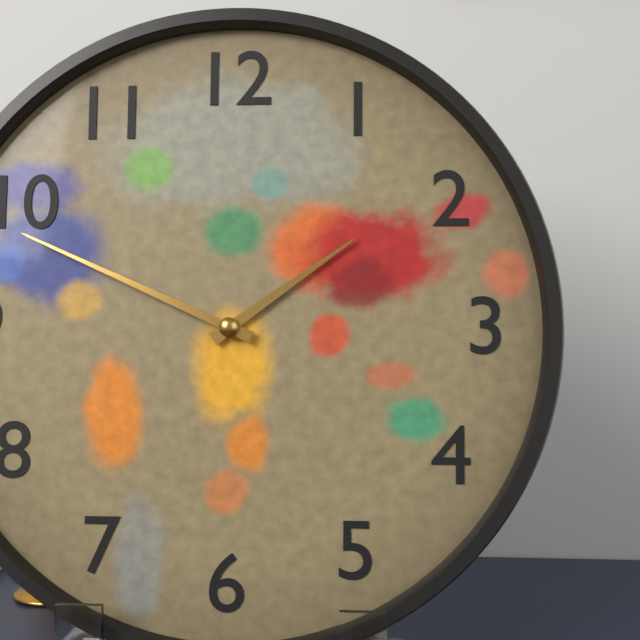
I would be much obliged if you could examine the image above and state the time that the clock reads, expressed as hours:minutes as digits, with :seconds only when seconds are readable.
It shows 1:49
